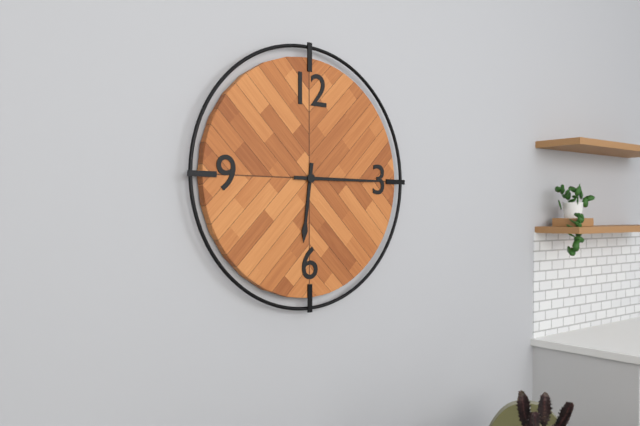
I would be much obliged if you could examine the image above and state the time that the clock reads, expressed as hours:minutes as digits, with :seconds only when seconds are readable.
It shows 6:15
